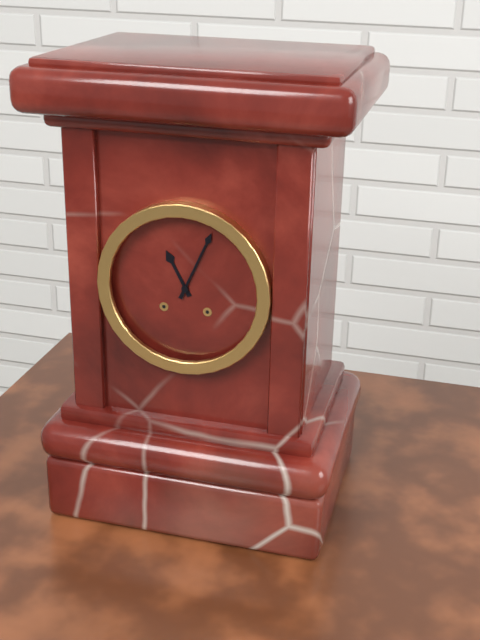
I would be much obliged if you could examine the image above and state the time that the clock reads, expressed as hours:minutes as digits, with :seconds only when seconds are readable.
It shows 11:04
